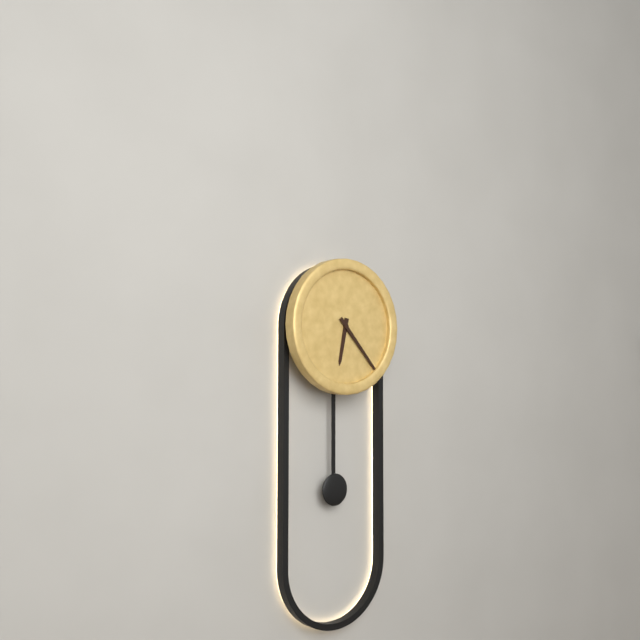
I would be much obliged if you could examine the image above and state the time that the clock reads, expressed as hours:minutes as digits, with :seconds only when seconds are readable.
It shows 6:23
